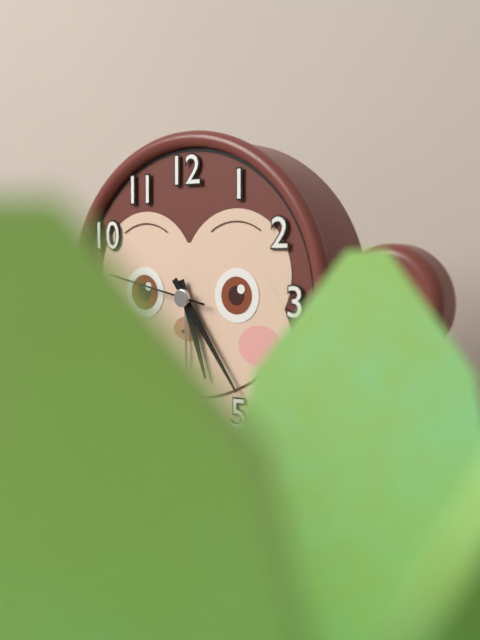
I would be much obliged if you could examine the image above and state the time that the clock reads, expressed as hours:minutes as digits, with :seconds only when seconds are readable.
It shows 5:24
